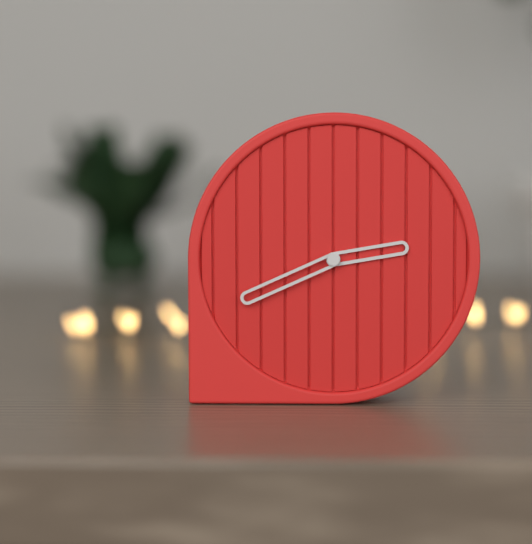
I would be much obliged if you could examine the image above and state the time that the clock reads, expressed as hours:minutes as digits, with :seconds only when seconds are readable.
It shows 2:41
